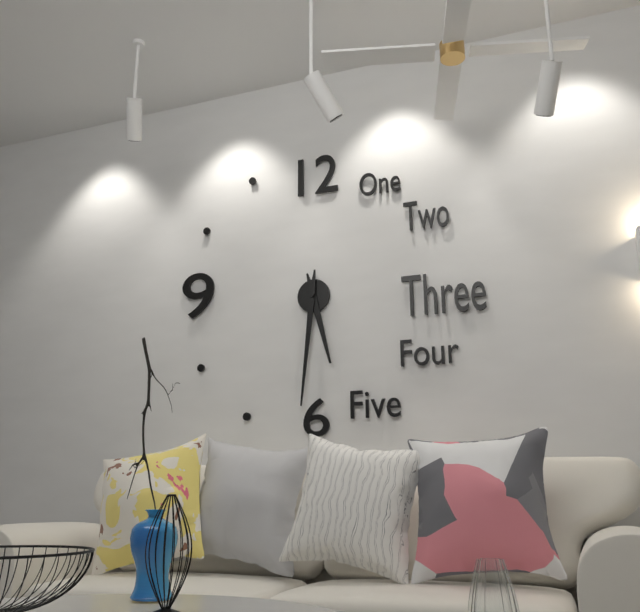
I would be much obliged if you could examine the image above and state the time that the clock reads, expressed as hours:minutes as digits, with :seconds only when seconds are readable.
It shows 5:31
